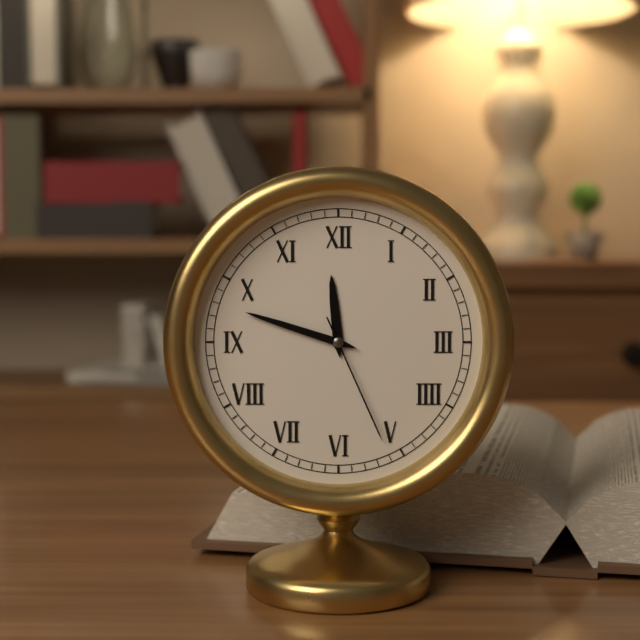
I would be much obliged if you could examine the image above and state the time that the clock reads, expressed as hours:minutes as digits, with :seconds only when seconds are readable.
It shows 11:48:26
